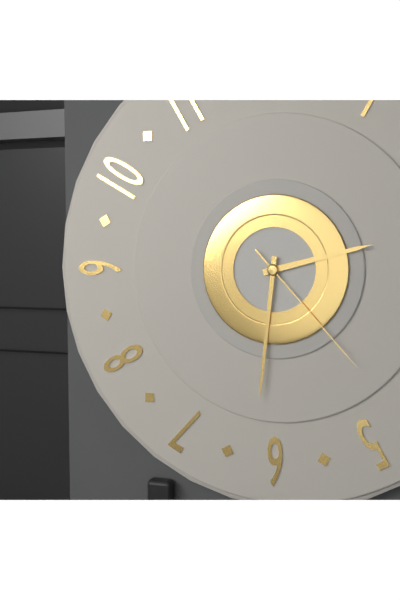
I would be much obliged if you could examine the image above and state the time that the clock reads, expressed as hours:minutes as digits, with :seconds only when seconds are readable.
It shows 2:31:23
